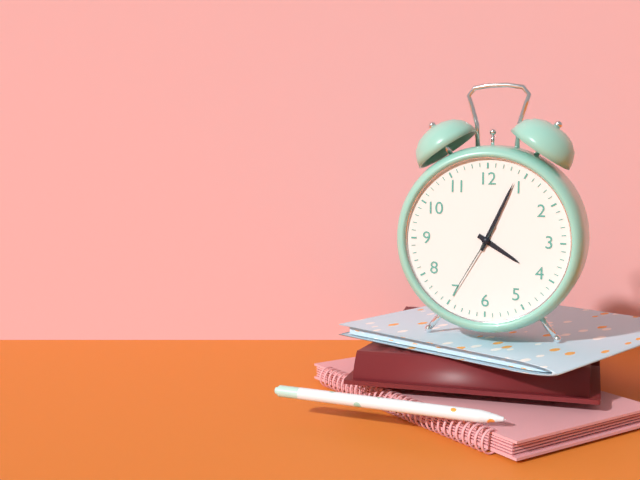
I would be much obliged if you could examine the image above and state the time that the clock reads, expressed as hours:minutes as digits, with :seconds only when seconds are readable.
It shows 4:04:35
